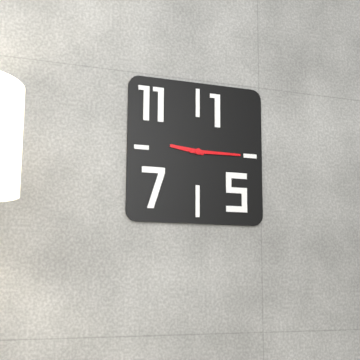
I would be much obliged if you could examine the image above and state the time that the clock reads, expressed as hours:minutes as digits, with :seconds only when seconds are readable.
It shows 9:15
